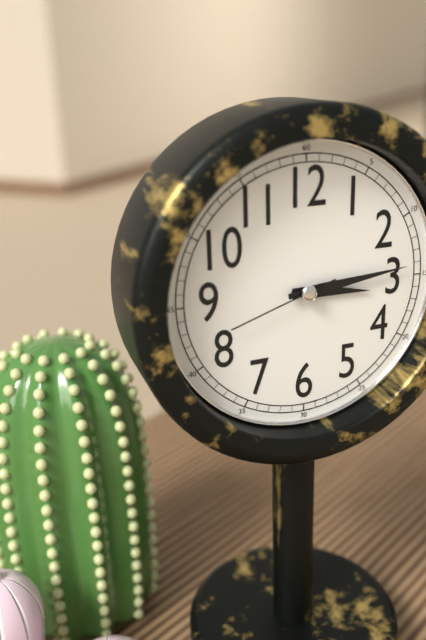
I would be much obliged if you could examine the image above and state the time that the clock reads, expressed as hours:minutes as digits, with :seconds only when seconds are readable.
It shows 3:14:42
